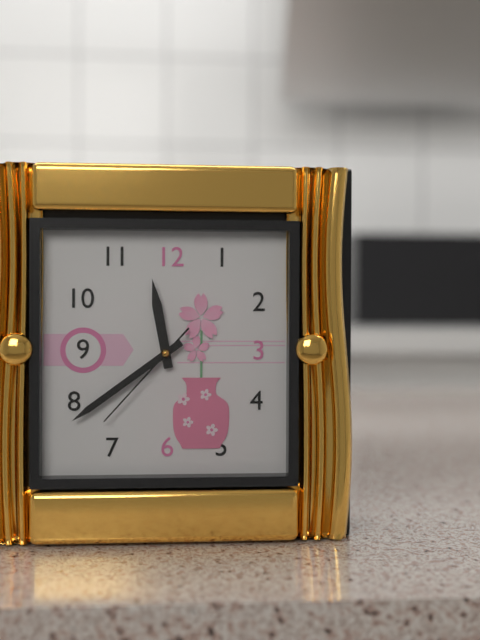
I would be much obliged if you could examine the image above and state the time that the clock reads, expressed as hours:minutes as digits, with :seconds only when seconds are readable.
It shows 11:39:37
